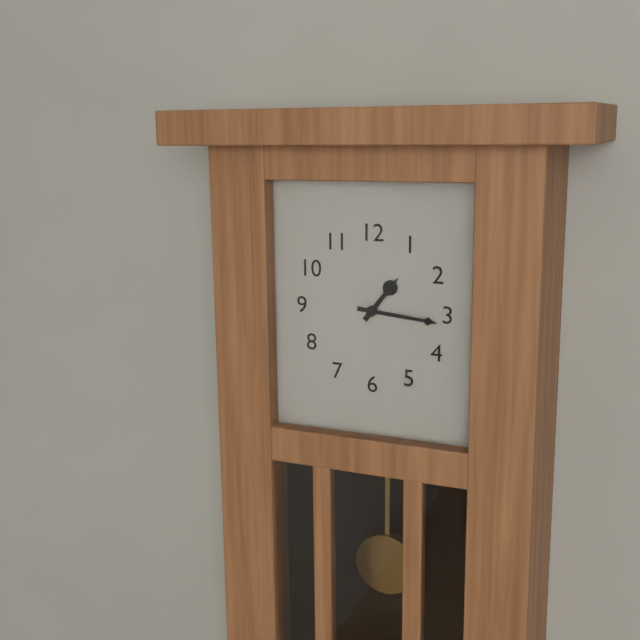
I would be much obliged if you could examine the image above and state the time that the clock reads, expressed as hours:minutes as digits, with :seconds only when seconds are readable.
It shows 1:16
